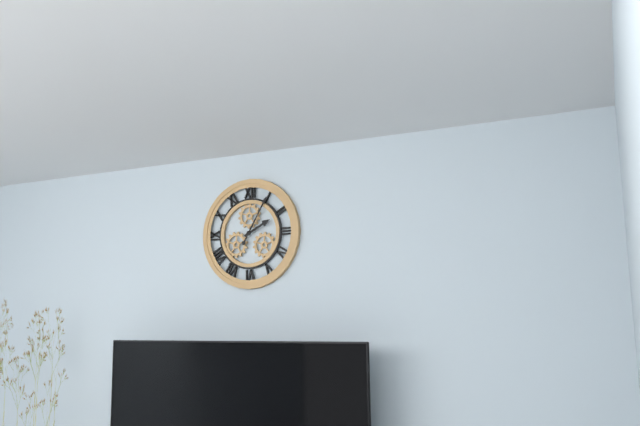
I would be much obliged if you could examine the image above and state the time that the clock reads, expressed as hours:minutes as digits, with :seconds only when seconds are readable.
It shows 2:05
